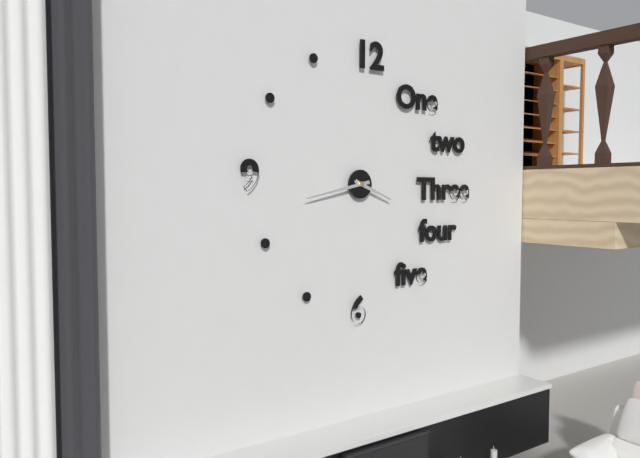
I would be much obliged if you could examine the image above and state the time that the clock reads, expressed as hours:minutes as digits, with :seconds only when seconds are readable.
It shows 3:43
